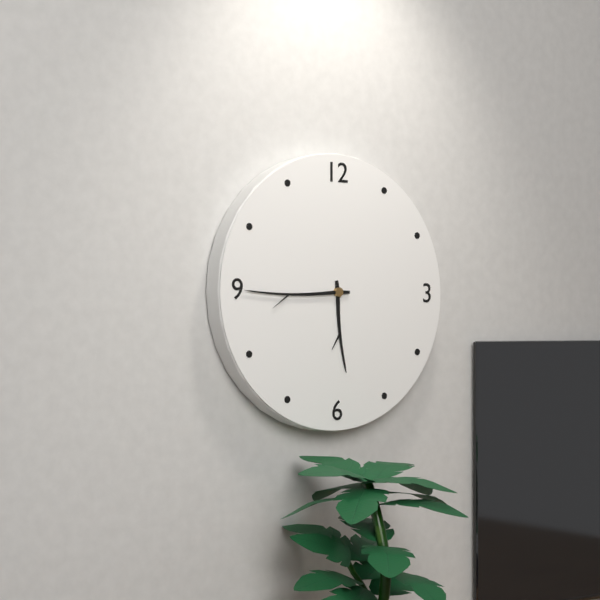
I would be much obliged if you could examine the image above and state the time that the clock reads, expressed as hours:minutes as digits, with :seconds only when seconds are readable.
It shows 5:45
